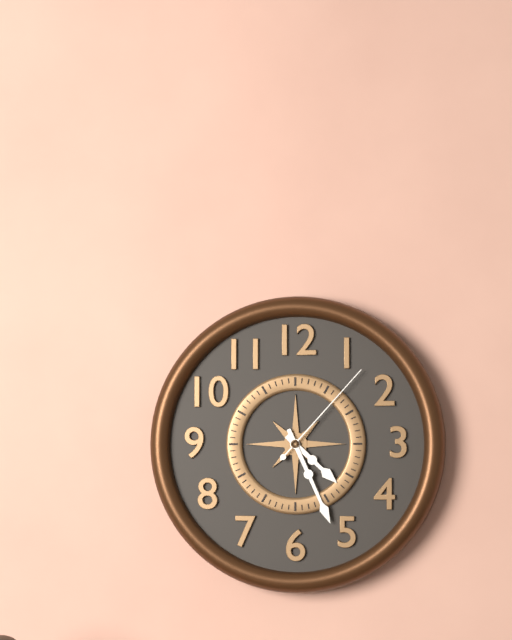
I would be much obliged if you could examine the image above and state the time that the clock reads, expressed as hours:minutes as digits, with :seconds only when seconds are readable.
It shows 4:26:07
